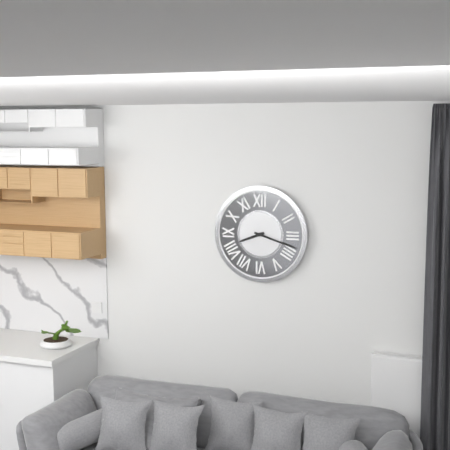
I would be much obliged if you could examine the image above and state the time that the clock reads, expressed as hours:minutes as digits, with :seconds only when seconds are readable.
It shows 8:18
